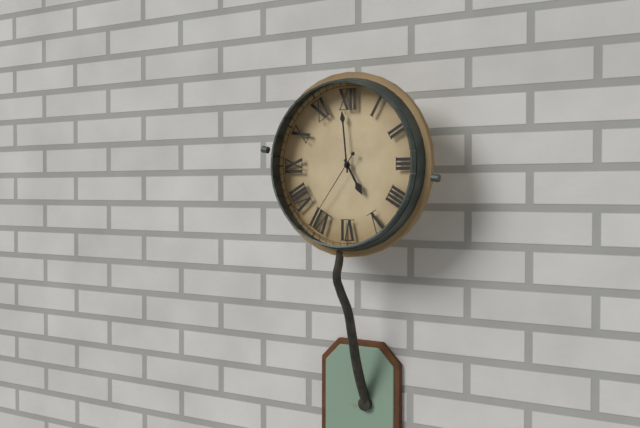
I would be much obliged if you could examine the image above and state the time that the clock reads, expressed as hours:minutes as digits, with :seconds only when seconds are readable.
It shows 4:59:36
